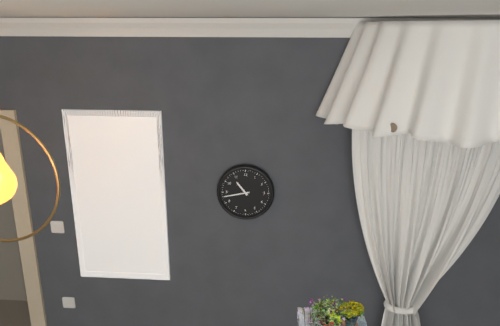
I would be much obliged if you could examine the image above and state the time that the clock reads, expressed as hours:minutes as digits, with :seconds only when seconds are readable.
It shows 10:43
